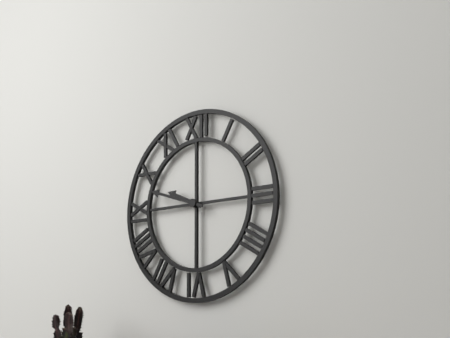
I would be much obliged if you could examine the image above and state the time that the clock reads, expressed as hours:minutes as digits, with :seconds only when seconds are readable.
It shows 9:48
